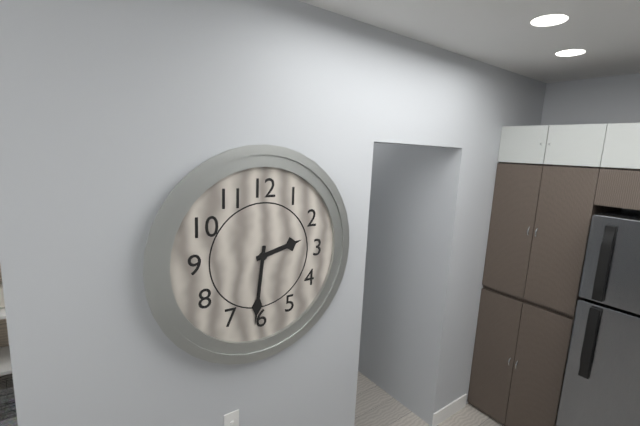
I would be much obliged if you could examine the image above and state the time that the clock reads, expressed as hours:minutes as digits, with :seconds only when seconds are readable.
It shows 2:31
